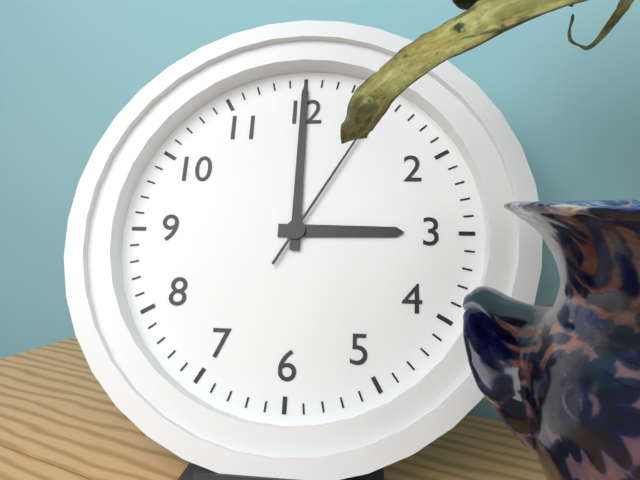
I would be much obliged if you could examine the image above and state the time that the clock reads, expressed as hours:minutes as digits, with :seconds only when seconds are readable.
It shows 3:00
